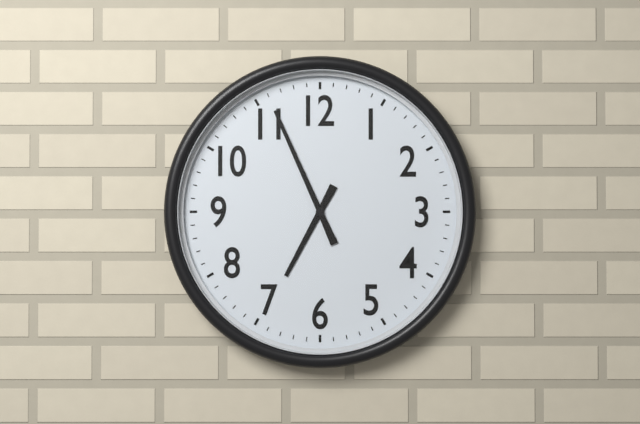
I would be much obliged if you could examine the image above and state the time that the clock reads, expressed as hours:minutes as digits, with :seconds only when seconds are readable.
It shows 6:56
